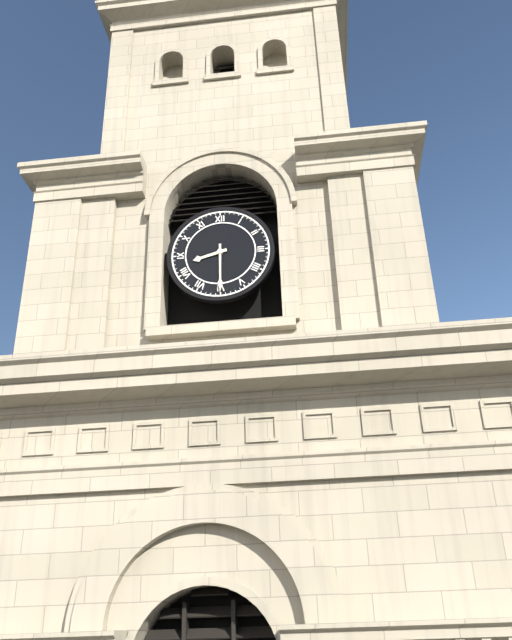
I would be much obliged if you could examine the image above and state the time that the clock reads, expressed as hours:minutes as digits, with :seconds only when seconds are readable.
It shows 8:30
